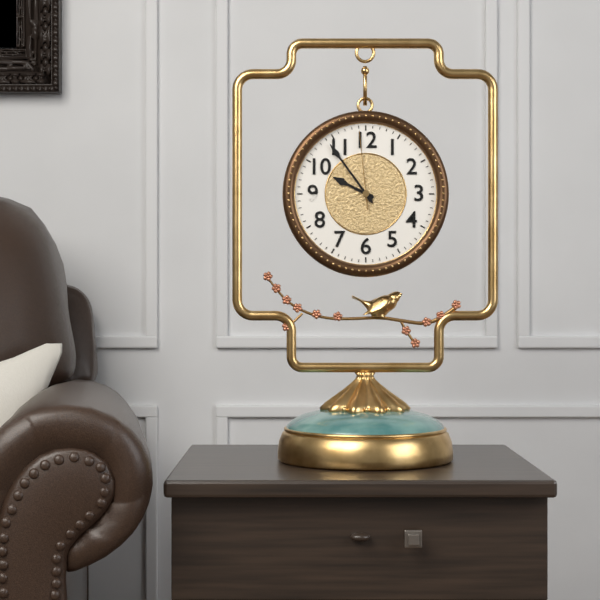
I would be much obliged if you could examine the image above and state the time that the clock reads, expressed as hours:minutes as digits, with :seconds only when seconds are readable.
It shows 9:54:59
